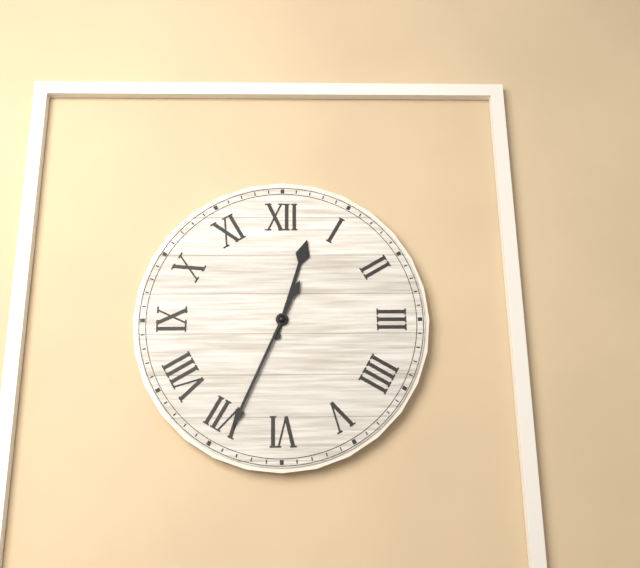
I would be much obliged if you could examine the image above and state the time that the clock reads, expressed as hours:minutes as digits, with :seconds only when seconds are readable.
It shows 12:34
